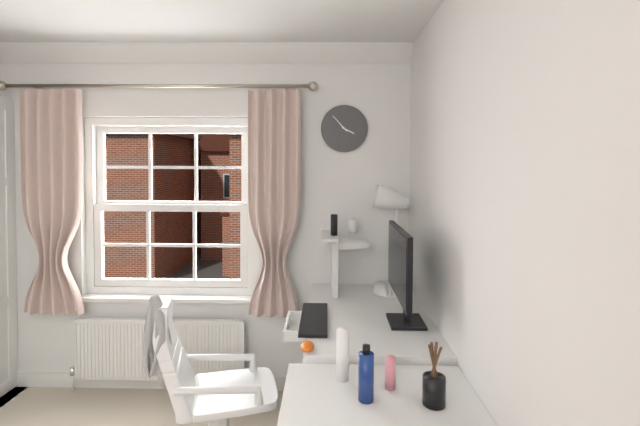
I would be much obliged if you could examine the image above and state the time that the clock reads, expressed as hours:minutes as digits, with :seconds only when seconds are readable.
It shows 3:53
